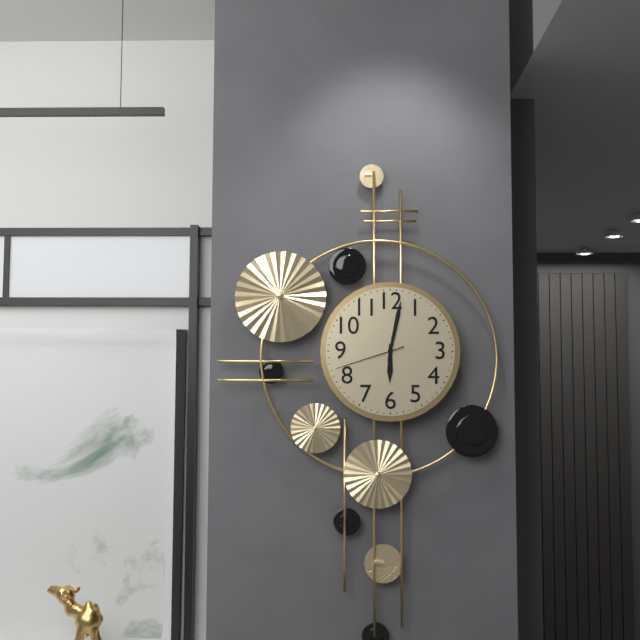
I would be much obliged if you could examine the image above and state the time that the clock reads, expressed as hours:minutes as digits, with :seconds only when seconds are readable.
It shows 6:02:42
